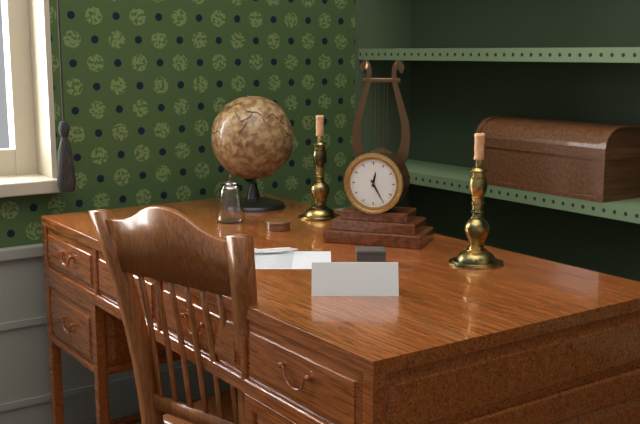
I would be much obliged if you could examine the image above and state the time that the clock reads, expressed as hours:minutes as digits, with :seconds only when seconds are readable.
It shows 12:25
